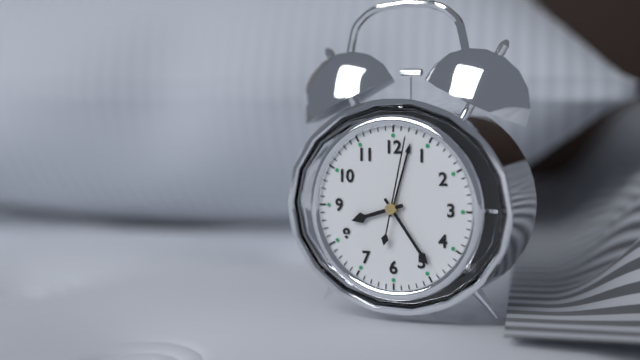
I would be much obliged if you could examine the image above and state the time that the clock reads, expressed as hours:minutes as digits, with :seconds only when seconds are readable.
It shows 8:24:02
